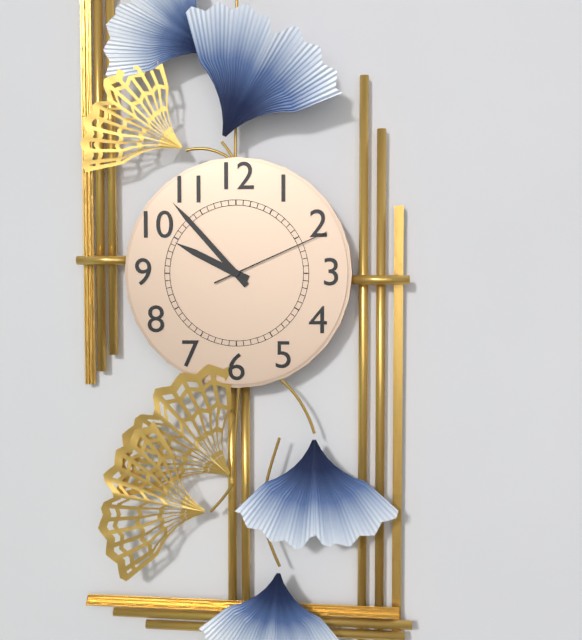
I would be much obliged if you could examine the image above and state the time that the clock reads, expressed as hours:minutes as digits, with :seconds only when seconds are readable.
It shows 9:53:11
